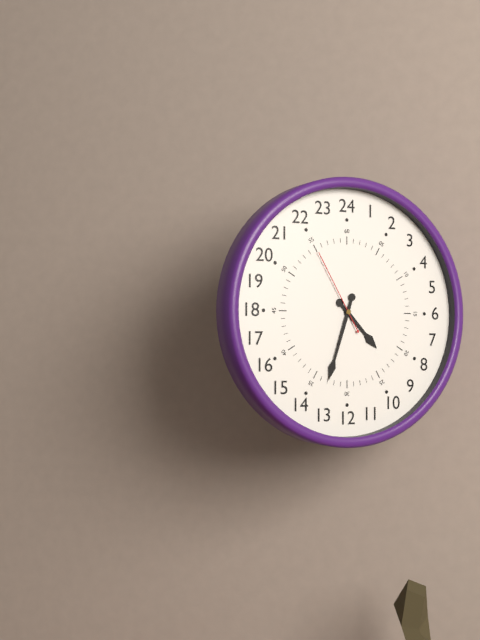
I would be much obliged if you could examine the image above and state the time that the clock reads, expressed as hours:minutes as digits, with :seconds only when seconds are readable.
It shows 4:33:55
